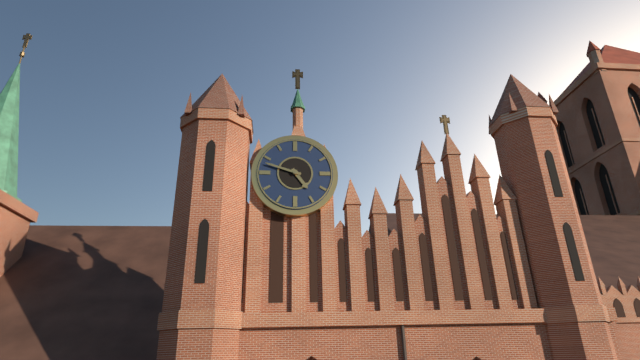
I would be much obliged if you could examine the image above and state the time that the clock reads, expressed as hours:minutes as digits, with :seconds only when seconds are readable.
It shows 4:48
